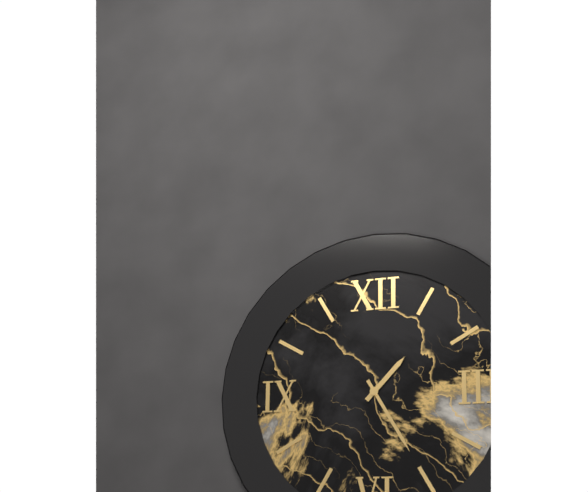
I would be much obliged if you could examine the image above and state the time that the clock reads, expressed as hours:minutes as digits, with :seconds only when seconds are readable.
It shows 1:25
